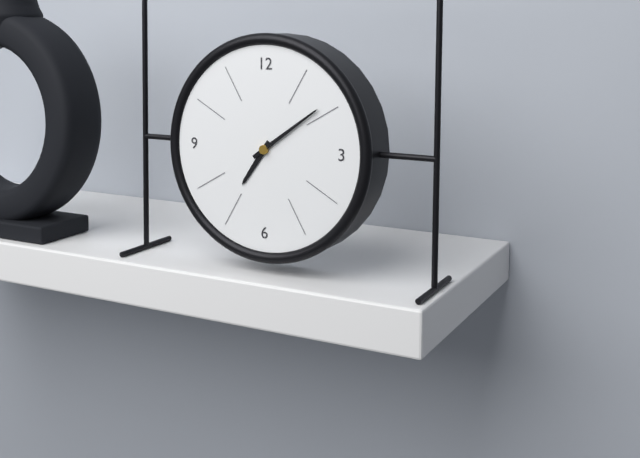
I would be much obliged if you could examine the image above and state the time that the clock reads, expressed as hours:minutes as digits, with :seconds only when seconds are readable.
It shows 7:09
